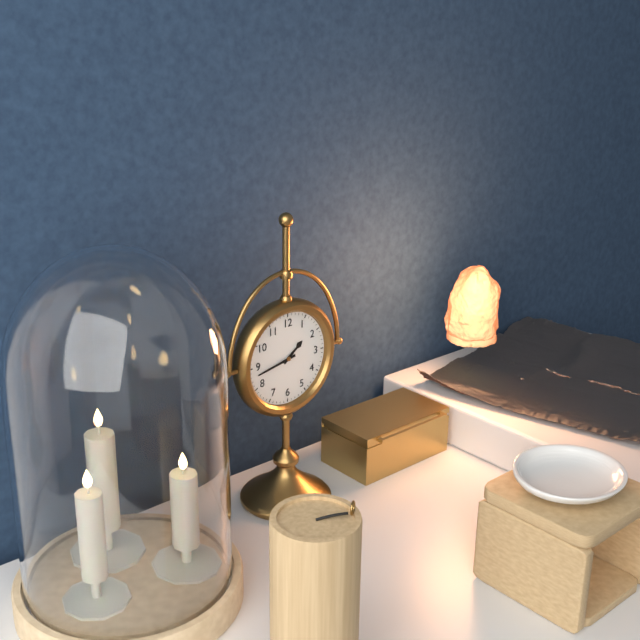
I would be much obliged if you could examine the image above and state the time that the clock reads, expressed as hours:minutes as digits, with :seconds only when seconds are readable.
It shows 1:43
